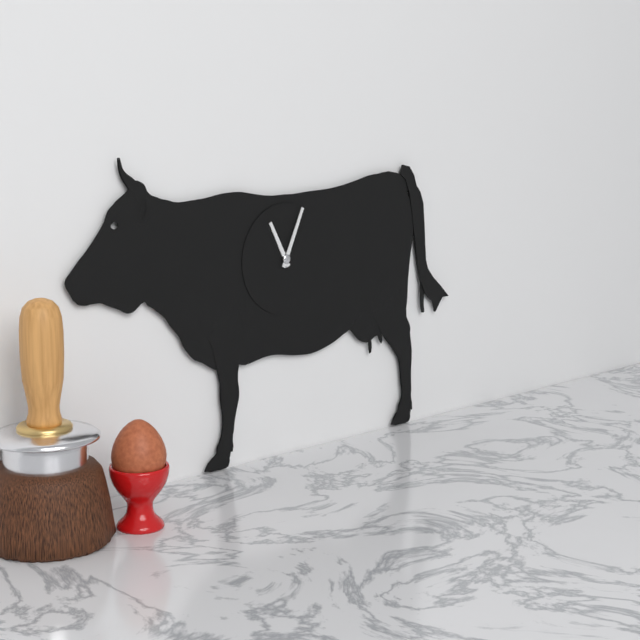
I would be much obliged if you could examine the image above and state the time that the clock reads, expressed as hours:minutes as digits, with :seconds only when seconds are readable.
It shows 11:04
